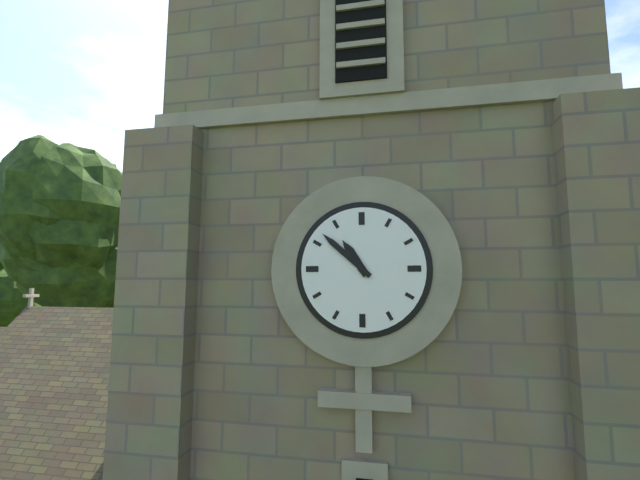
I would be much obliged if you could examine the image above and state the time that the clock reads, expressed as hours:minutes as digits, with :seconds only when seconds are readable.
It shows 10:52
